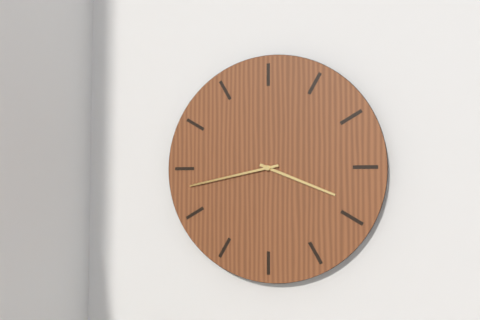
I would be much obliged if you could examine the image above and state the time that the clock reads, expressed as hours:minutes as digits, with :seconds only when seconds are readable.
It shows 3:43
